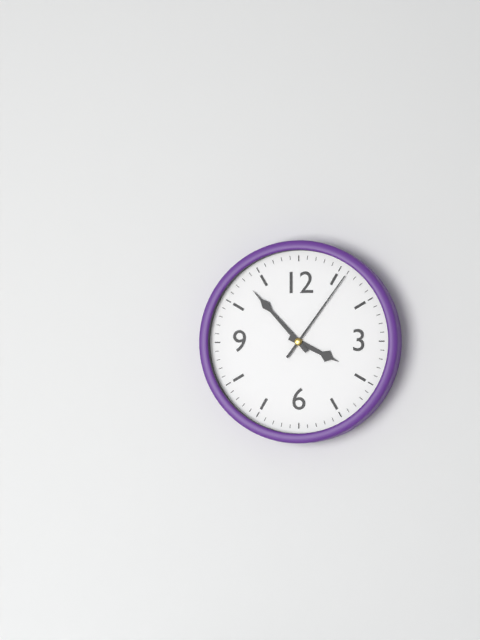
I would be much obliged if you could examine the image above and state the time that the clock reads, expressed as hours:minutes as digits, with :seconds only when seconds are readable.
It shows 3:53:06
